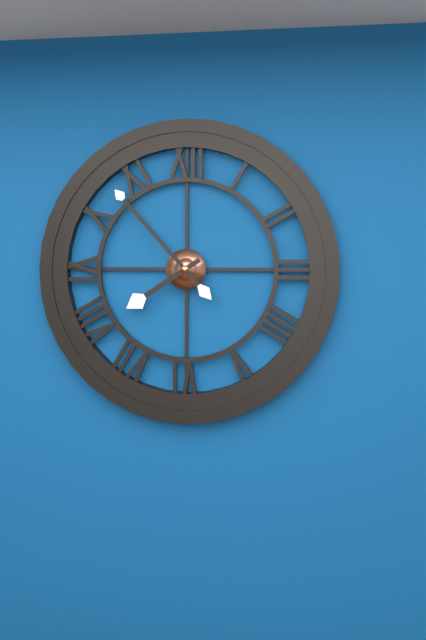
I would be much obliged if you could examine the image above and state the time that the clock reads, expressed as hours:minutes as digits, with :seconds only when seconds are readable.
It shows 7:53
